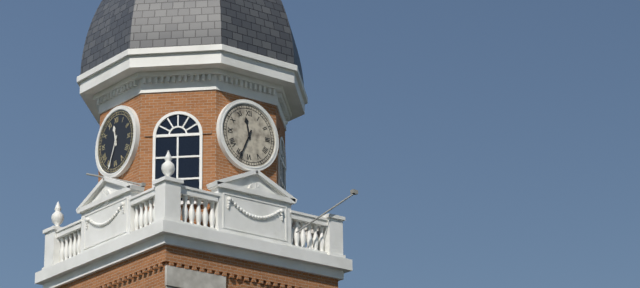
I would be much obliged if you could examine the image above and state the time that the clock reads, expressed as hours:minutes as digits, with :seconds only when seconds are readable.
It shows 11:34
